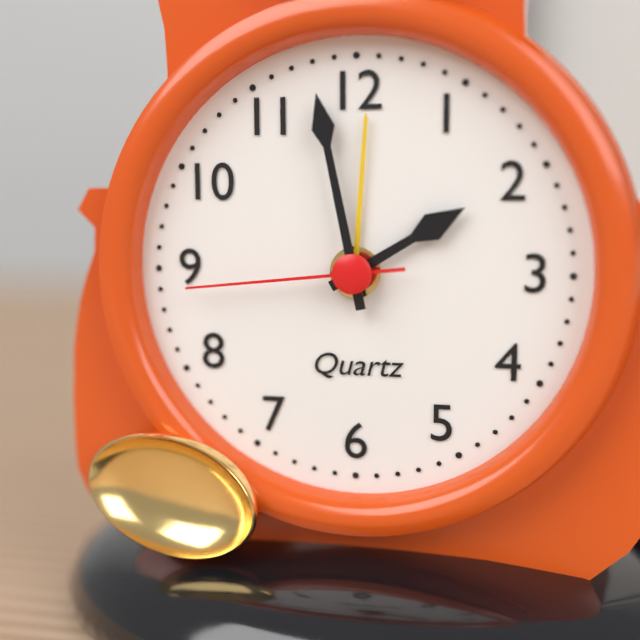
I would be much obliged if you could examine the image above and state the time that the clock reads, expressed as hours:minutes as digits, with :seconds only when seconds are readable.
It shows 1:58:44
